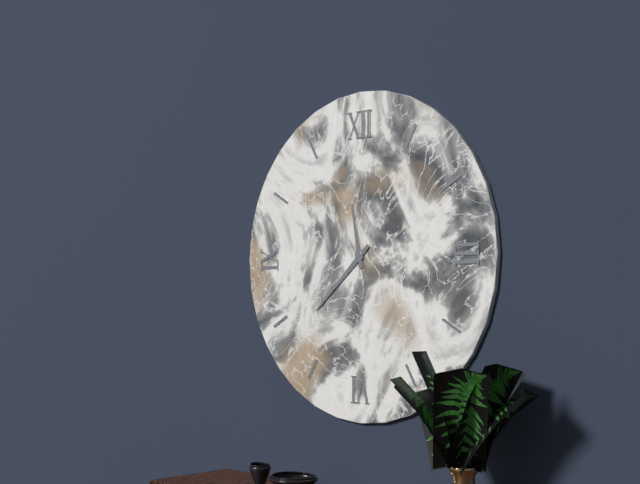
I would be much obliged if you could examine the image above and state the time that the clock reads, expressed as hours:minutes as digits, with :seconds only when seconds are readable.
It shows 11:38
